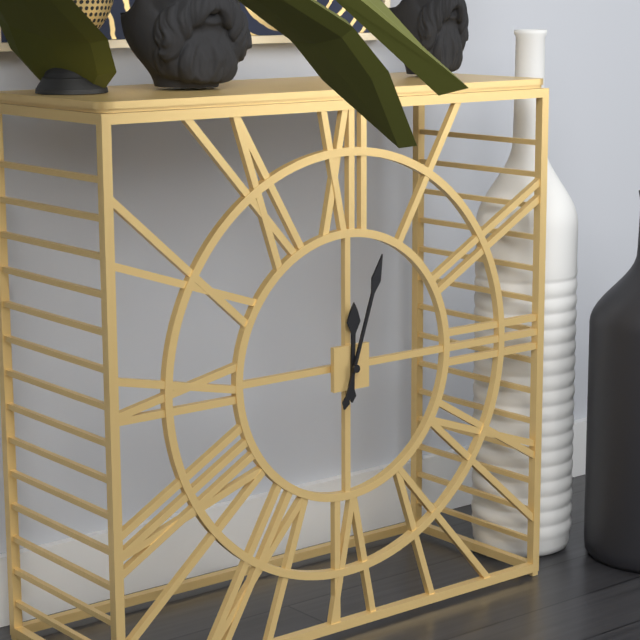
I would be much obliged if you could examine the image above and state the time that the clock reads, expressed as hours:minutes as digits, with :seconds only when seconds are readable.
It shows 12:03
